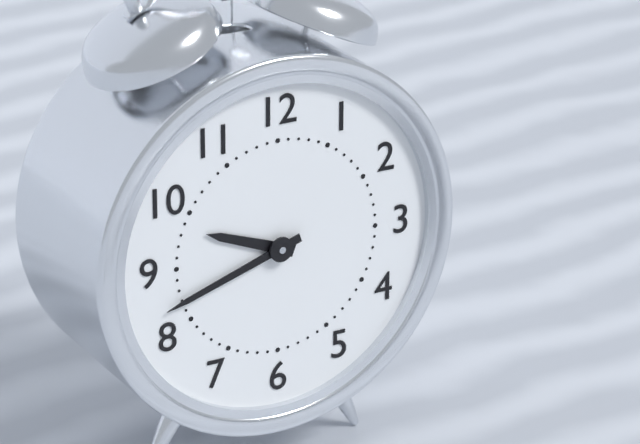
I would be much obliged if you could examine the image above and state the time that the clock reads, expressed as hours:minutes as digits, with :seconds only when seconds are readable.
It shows 9:42
